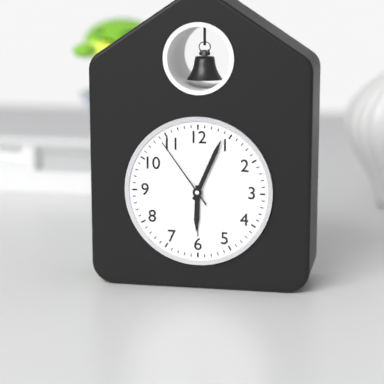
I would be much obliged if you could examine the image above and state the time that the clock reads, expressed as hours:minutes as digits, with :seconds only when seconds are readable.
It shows 6:04:54
